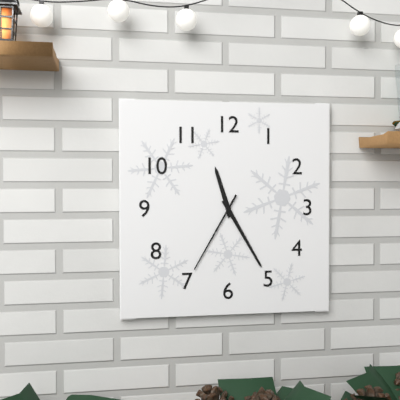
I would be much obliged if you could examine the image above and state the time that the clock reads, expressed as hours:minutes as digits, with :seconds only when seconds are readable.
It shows 11:25:35
